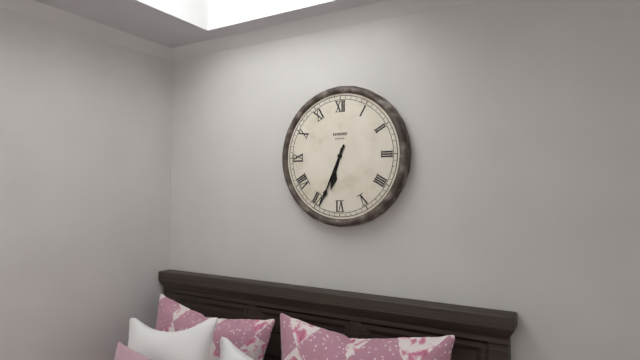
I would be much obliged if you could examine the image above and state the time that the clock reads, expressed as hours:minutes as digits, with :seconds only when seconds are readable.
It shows 6:34
